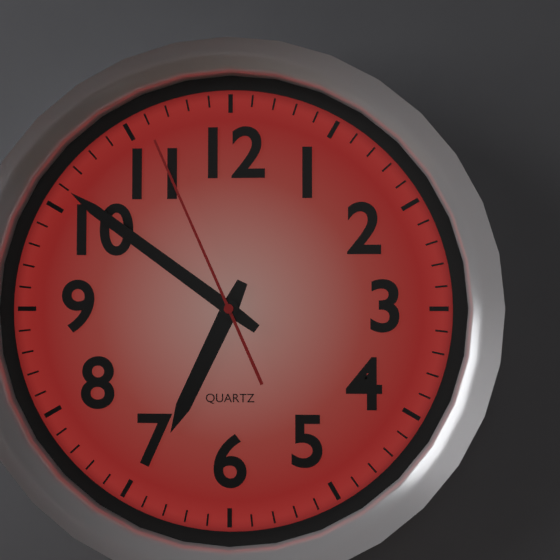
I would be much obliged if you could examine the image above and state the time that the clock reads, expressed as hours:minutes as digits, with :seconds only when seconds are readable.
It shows 6:51:56
